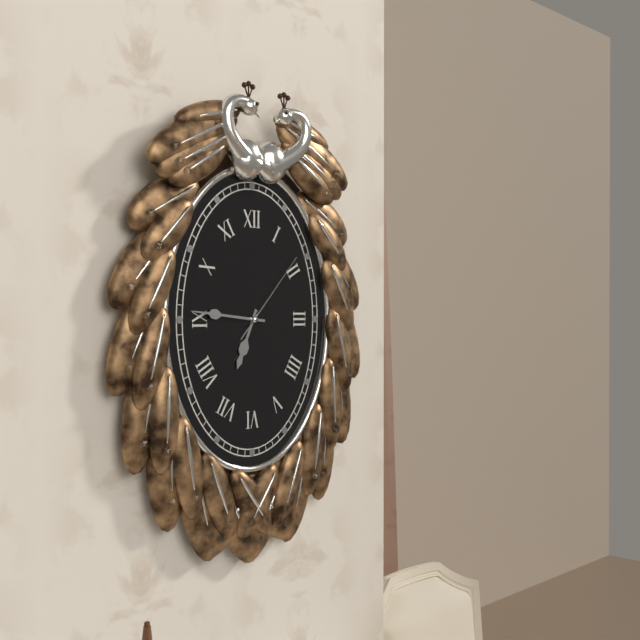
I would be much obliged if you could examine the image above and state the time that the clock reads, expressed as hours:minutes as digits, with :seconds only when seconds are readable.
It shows 6:46:07
